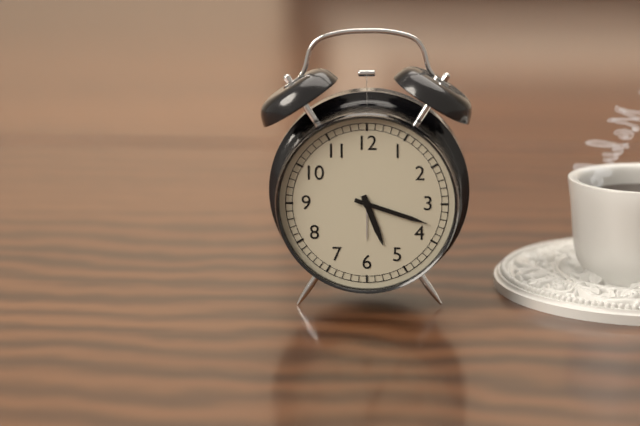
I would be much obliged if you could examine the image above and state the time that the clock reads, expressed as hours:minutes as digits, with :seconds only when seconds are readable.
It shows 5:18
